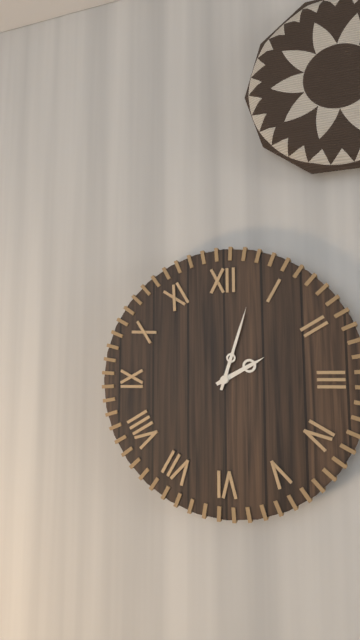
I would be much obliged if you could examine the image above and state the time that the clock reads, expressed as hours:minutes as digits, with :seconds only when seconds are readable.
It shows 2:03
